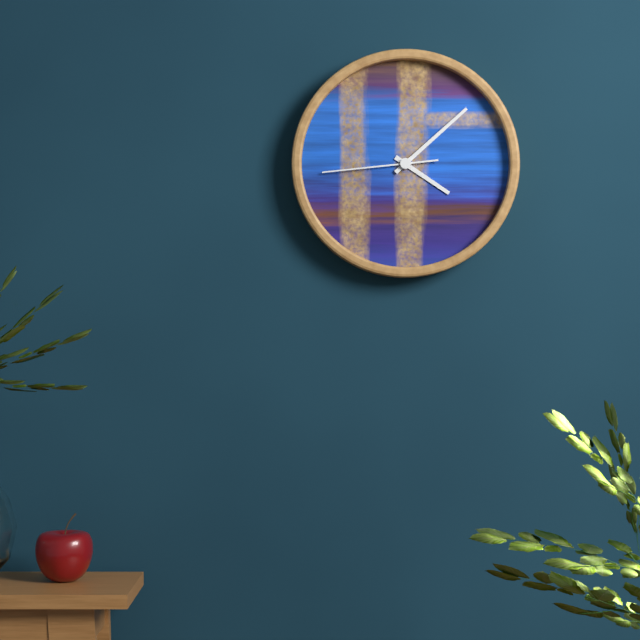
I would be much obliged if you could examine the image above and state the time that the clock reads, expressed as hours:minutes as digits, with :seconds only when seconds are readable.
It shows 4:08:44
